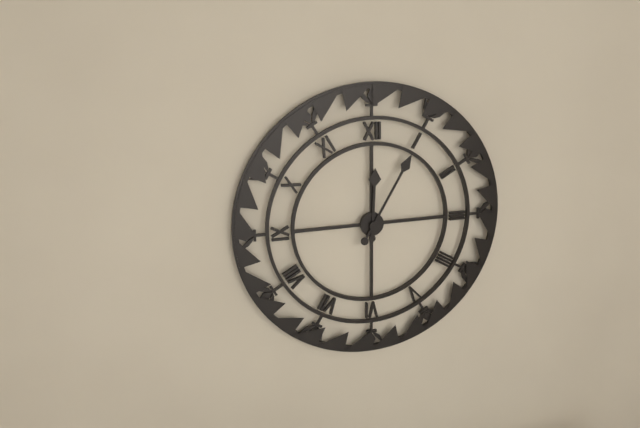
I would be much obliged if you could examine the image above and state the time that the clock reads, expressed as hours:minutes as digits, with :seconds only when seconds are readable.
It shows 12:05
